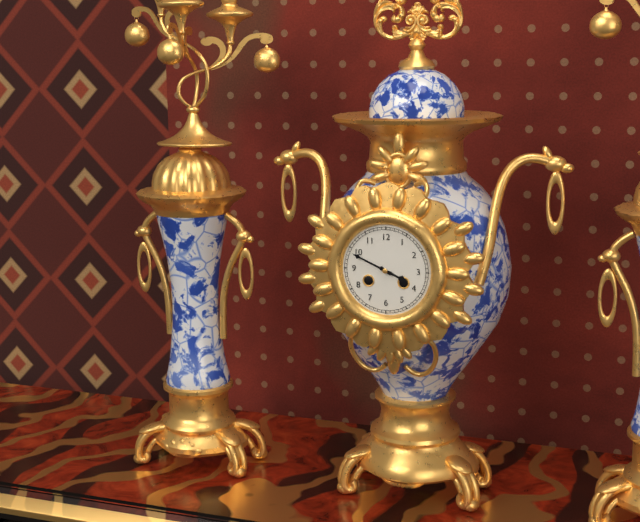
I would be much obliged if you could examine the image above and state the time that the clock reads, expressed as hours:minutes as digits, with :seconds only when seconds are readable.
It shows 3:49
